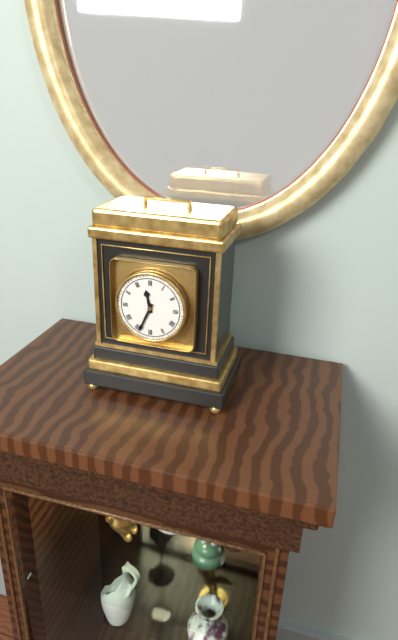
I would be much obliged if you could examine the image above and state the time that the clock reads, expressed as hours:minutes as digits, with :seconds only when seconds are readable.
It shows 11:34
